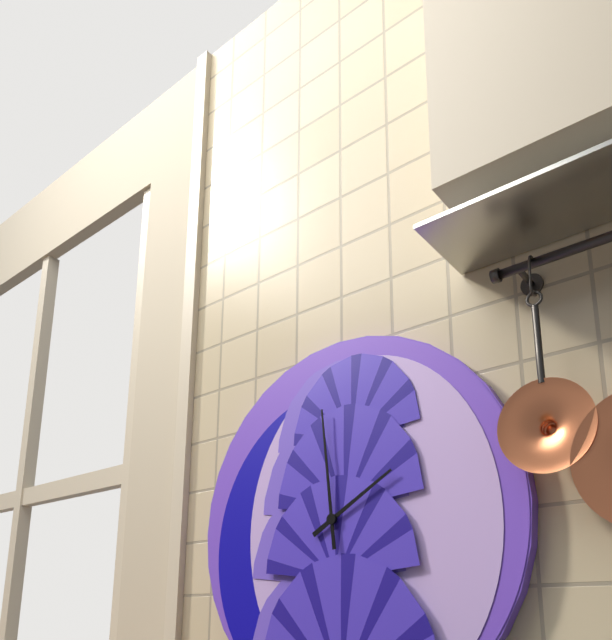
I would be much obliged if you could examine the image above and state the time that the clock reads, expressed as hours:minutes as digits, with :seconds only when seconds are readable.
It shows 1:59
